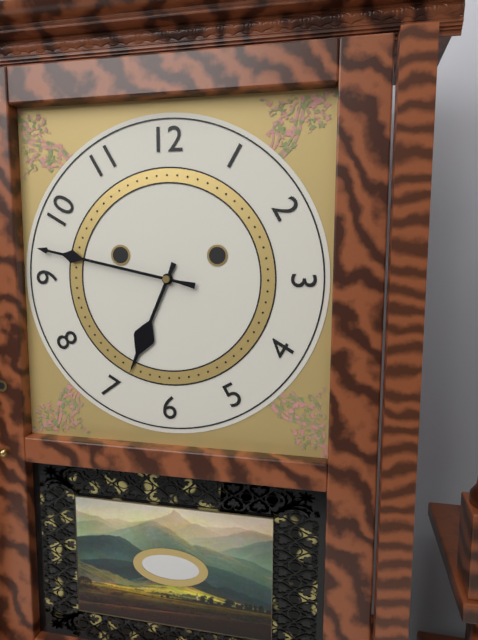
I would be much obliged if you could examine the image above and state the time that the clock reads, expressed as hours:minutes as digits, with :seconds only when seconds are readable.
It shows 6:47
